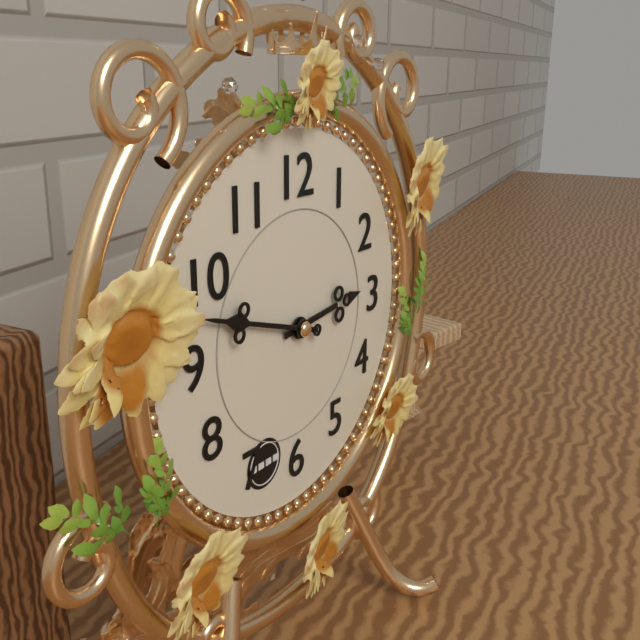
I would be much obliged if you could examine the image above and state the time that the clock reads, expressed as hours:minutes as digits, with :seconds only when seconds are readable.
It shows 2:48
